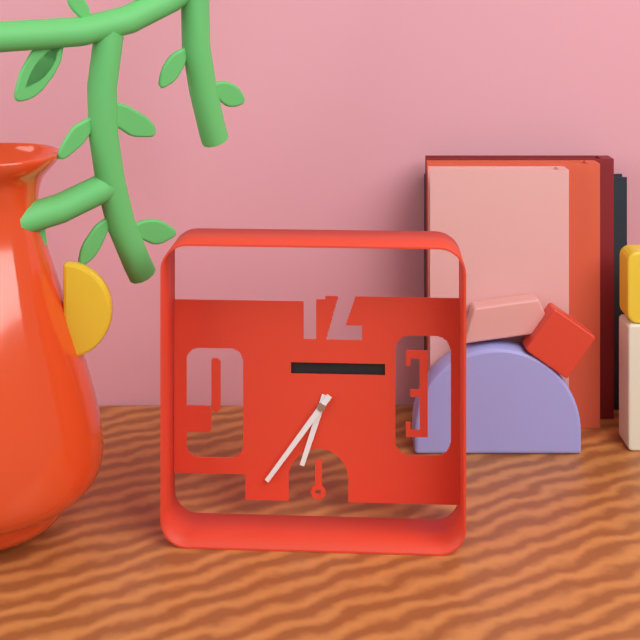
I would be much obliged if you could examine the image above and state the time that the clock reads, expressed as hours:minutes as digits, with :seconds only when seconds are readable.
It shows 6:36
